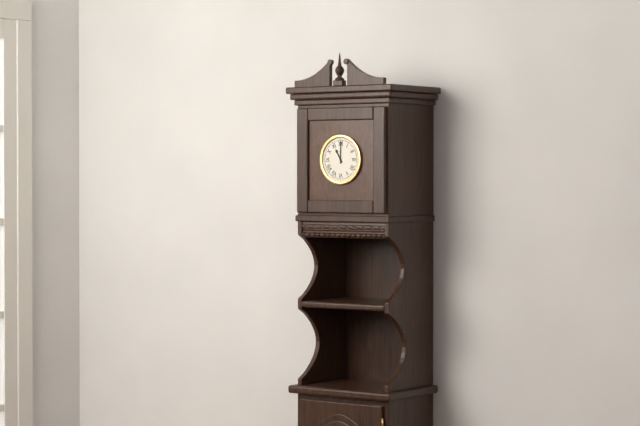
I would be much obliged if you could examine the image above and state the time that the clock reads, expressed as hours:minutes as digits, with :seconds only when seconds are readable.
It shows 11:00
